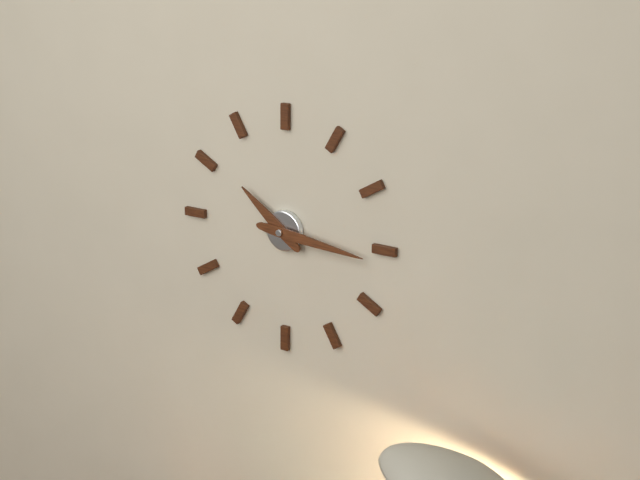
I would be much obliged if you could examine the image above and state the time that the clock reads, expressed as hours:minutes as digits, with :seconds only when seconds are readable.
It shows 10:16
